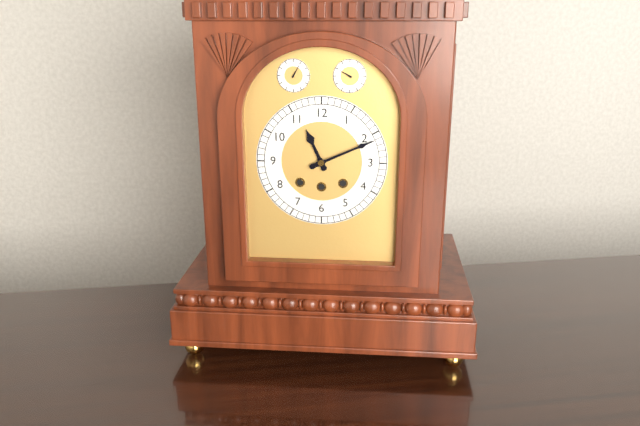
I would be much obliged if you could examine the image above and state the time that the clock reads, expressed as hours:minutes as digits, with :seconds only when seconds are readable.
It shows 11:11
